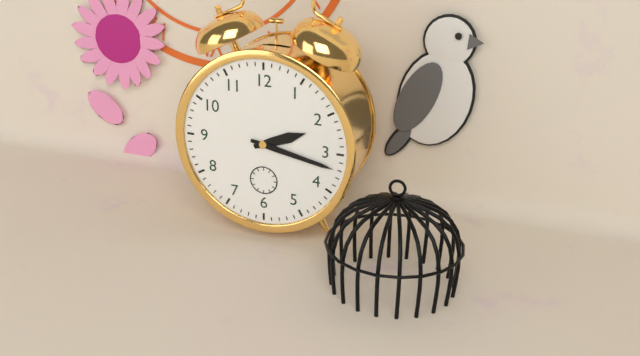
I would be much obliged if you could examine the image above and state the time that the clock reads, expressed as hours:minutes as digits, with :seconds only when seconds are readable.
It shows 2:17
